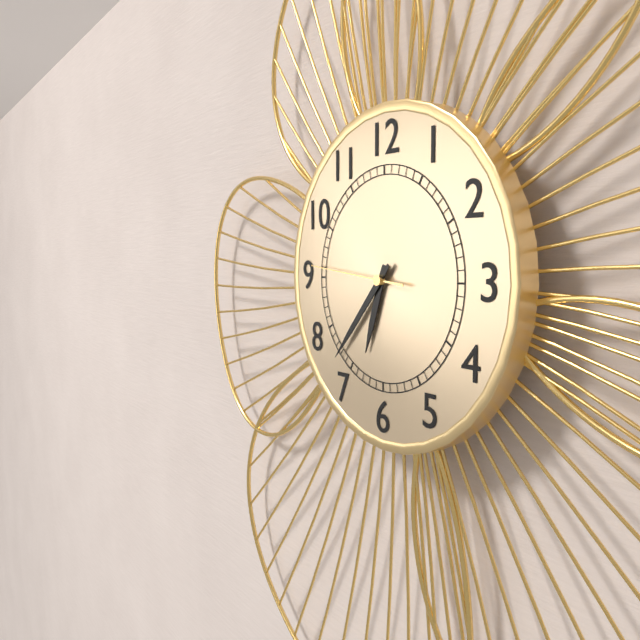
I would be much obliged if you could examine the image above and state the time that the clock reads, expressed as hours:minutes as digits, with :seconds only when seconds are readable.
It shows 6:37:46
